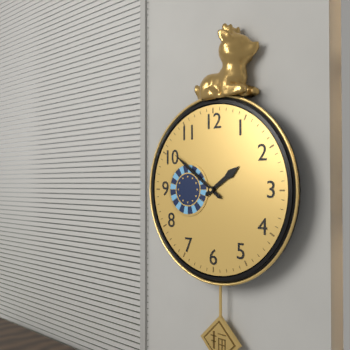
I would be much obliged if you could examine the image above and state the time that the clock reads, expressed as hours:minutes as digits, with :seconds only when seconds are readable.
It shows 1:51
